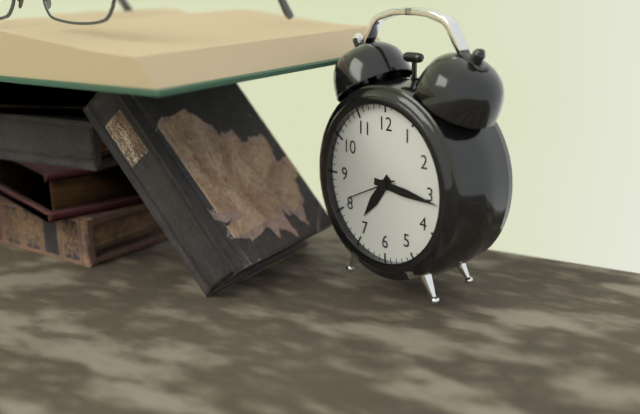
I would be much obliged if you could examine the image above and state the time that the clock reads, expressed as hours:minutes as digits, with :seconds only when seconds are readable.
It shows 7:16
